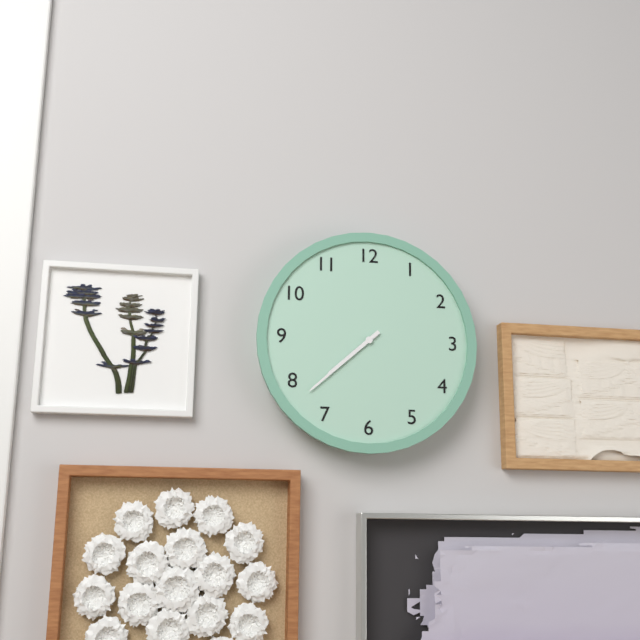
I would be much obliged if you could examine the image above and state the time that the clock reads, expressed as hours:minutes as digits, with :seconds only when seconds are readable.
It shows 7:38
